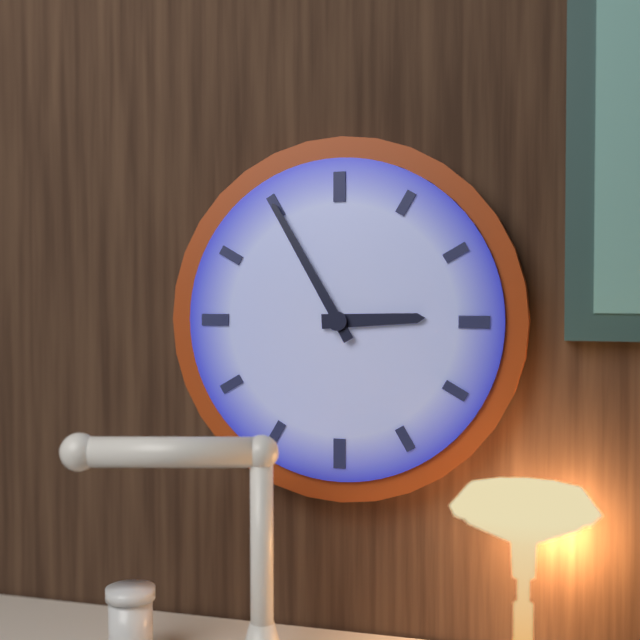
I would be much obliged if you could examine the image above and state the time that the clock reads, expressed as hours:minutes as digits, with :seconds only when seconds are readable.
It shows 2:55
